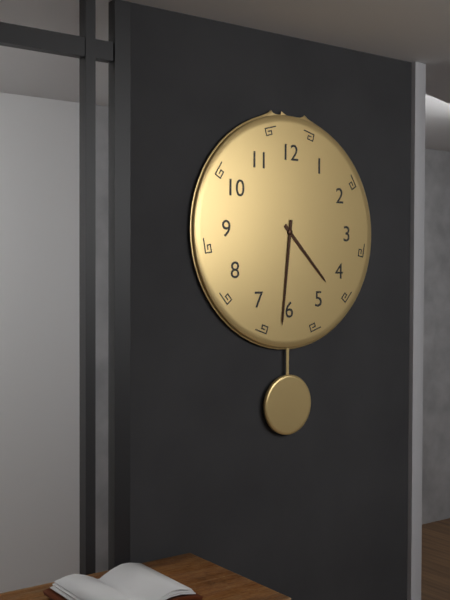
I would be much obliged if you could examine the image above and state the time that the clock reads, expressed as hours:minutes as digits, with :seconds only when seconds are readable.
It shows 4:31
